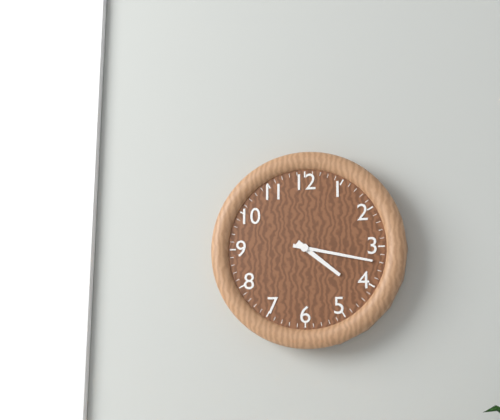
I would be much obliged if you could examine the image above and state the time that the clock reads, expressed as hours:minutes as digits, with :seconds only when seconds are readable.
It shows 4:17
